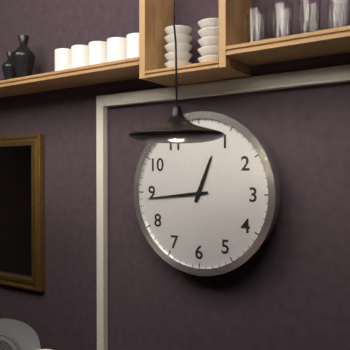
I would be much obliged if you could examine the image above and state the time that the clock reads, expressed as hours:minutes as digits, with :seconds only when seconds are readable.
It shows 12:44
